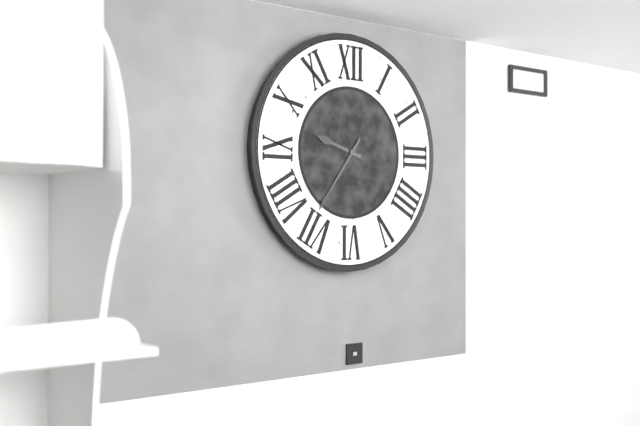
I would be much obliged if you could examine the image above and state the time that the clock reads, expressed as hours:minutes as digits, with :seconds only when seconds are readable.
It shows 9:36
